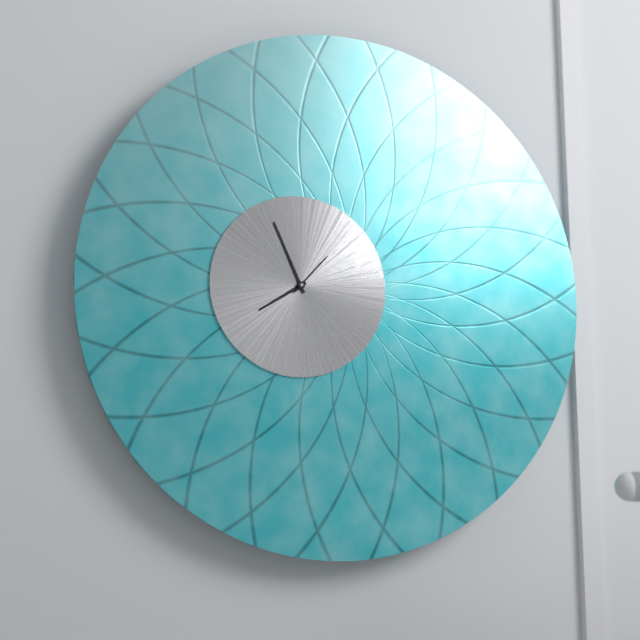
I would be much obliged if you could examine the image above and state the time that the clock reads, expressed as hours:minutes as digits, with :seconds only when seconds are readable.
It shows 7:56
